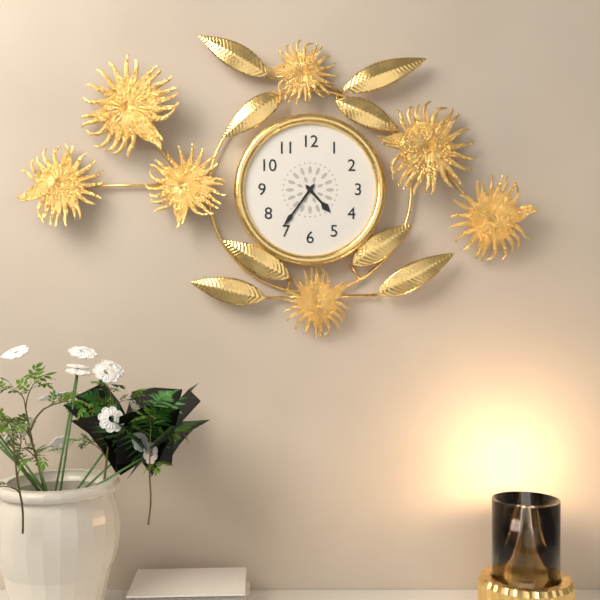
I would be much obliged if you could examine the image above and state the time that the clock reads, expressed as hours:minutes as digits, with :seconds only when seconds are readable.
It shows 4:36
